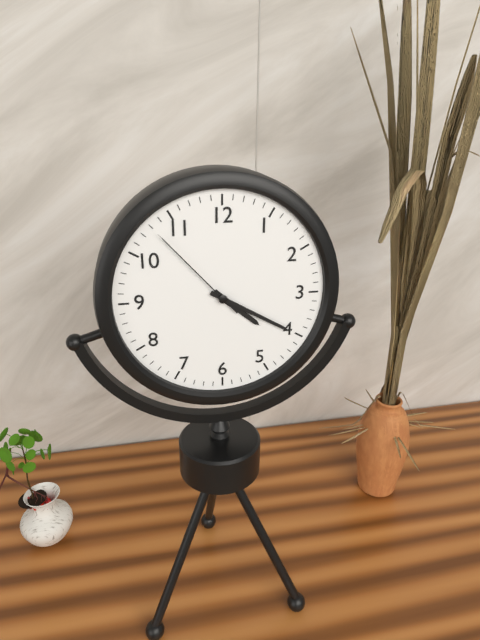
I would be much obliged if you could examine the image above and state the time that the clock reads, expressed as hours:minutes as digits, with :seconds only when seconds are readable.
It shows 4:20:53
